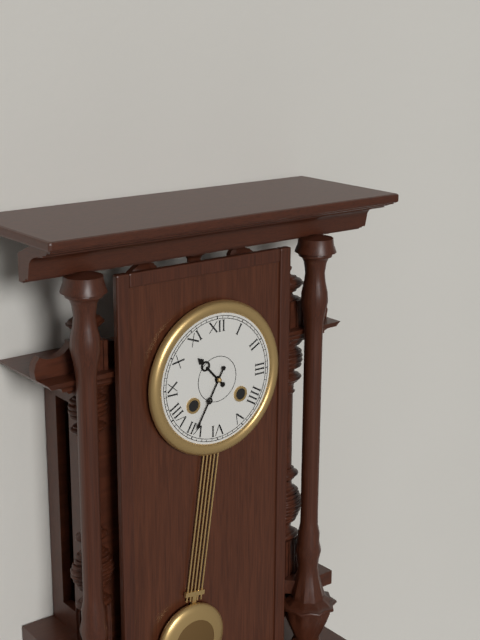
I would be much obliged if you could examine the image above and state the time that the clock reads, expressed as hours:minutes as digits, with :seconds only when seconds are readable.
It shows 10:35
